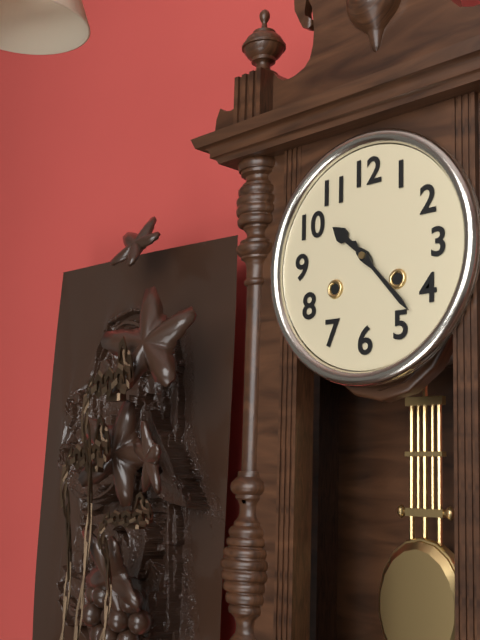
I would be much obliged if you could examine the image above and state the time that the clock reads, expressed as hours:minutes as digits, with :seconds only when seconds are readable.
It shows 10:23
